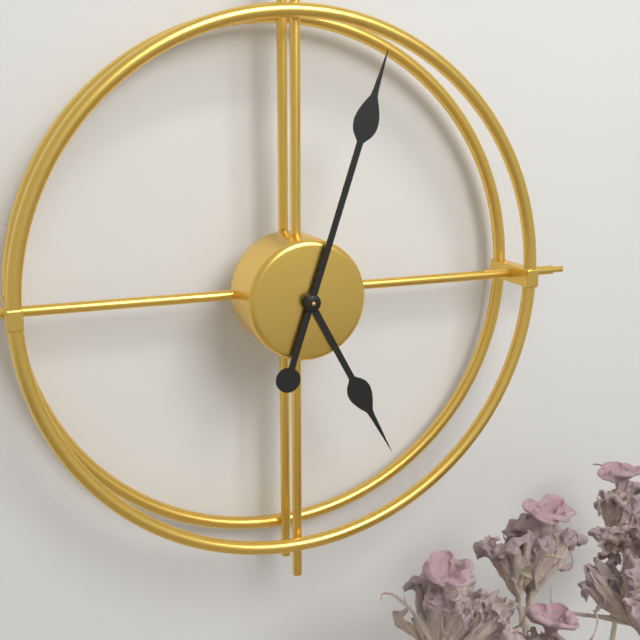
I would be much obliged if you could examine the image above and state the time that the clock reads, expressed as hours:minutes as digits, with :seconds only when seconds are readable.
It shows 5:03
